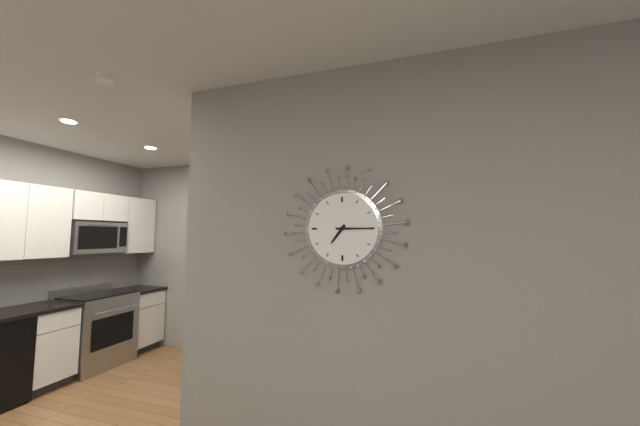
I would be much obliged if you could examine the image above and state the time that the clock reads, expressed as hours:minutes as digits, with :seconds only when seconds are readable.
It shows 7:15
